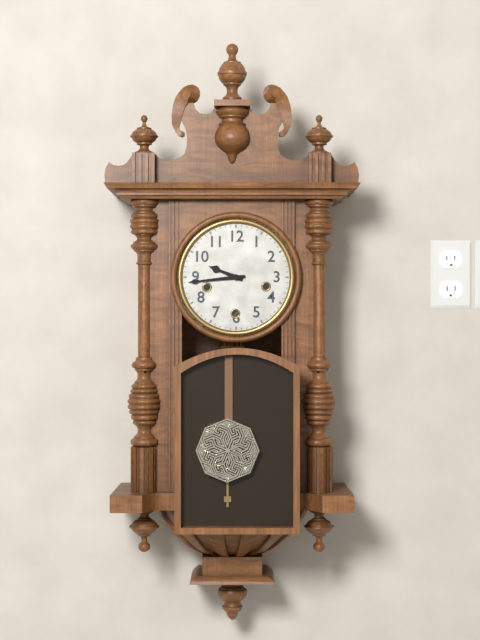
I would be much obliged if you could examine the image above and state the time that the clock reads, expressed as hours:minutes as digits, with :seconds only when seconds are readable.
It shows 9:44
